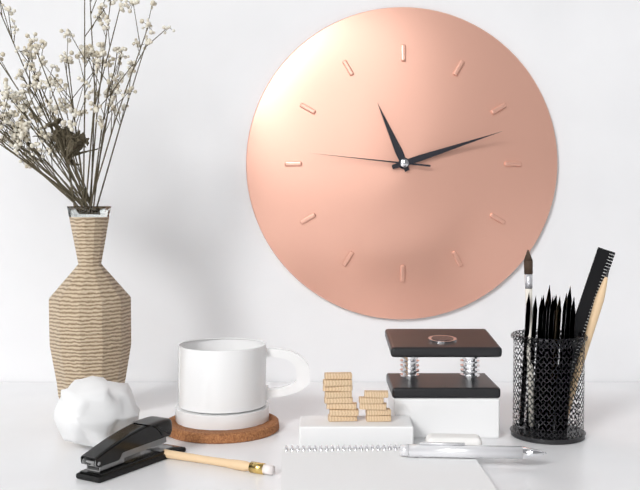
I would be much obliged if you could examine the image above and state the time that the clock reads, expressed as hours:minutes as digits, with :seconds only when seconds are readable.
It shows 11:12:46
